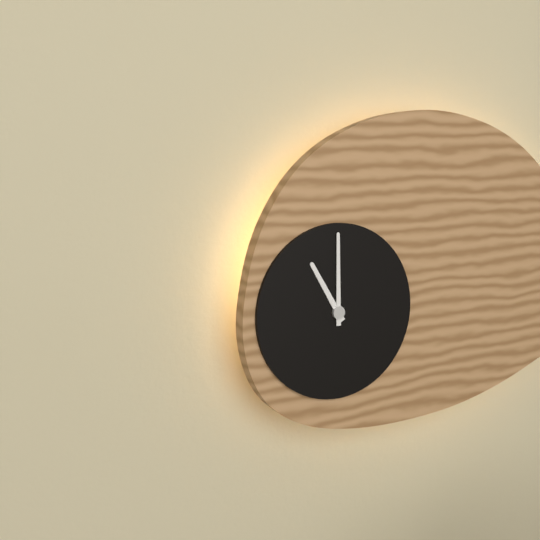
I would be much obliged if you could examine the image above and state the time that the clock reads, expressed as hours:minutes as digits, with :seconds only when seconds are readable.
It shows 11:00
